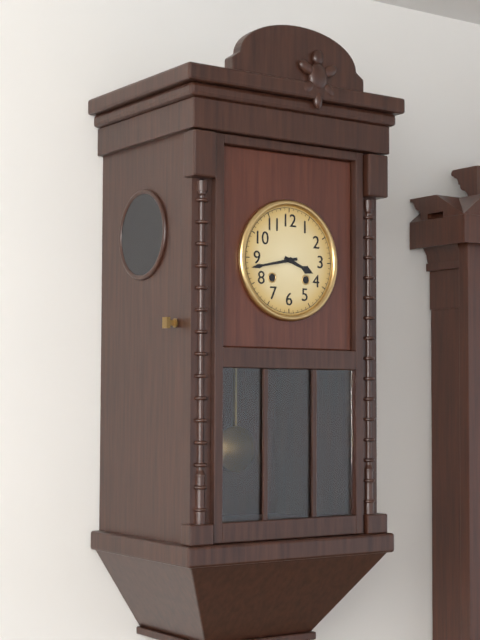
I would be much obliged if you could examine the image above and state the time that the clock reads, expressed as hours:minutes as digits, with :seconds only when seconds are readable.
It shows 3:43
